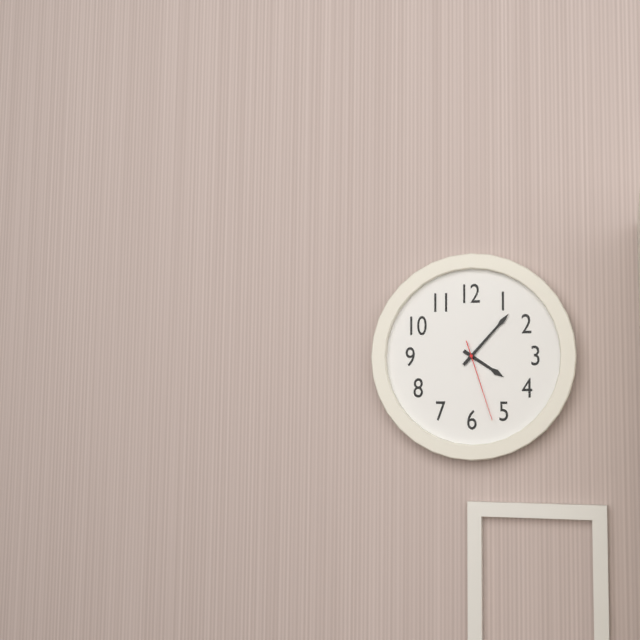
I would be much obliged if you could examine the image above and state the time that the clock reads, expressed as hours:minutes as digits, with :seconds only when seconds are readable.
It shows 4:07:27
